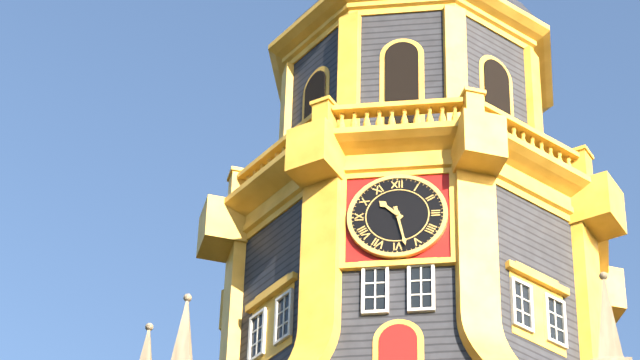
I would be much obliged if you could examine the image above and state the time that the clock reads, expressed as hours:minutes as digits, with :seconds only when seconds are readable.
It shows 10:28
